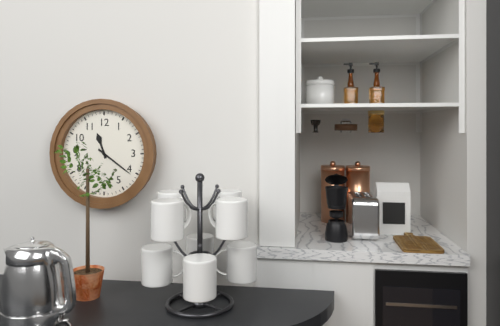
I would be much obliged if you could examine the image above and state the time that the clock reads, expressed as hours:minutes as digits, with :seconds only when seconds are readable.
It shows 11:21
